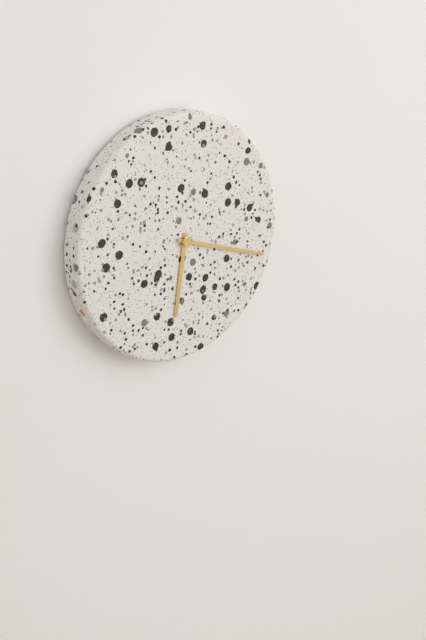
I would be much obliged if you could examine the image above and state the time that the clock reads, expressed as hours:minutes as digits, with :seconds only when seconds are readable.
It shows 6:18
